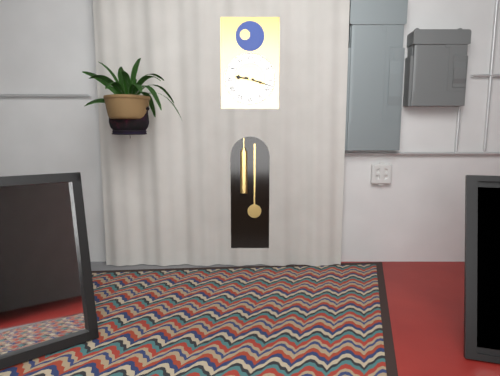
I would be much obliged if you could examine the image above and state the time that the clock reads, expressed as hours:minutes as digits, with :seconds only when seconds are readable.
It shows 9:18
